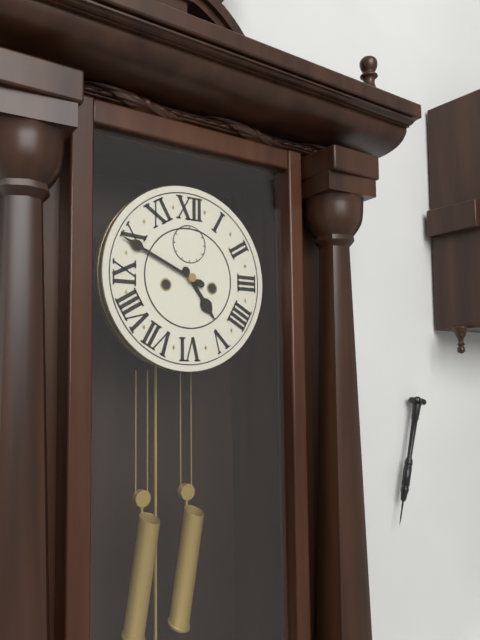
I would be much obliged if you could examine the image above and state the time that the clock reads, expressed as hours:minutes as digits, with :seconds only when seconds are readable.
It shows 4:49
